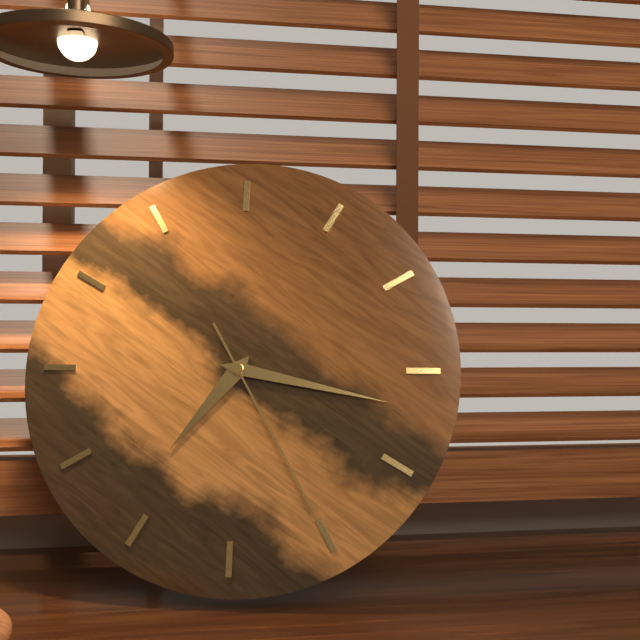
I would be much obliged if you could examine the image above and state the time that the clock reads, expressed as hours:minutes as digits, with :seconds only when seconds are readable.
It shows 7:17:25
